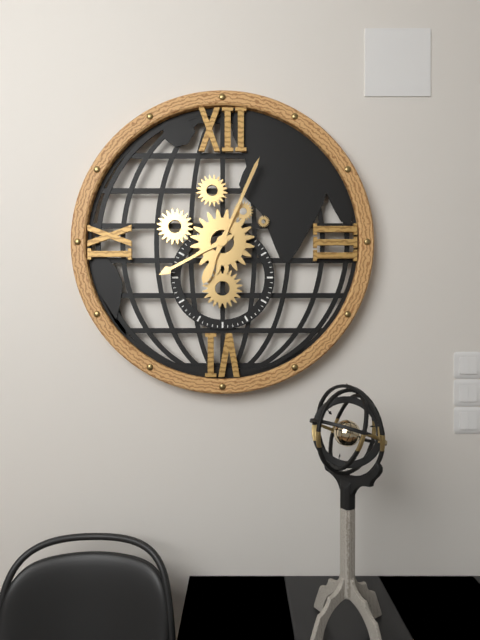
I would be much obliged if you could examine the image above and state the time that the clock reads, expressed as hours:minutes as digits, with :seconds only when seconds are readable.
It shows 8:04
